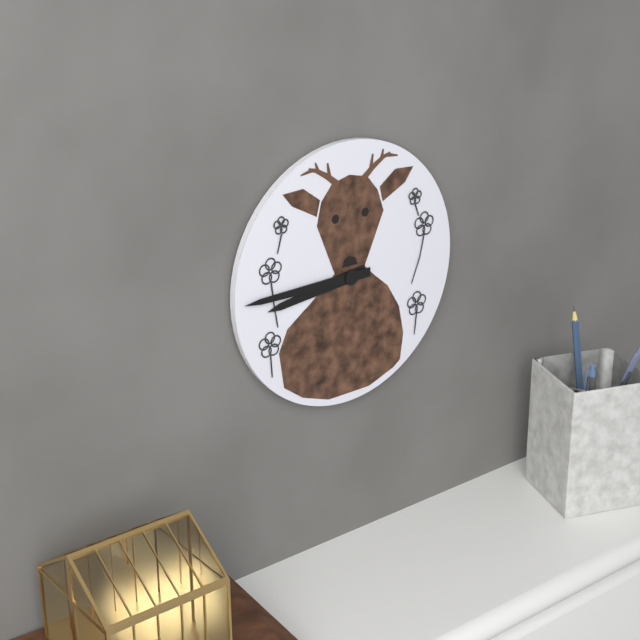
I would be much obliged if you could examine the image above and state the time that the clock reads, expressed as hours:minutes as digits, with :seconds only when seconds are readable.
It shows 8:45
